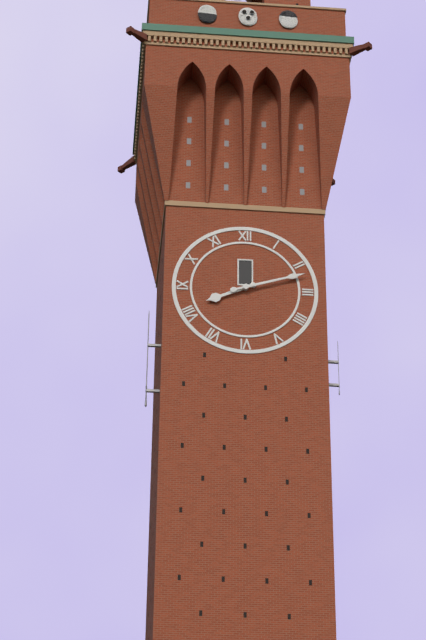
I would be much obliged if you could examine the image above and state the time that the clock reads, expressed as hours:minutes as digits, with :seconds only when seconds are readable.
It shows 8:12
